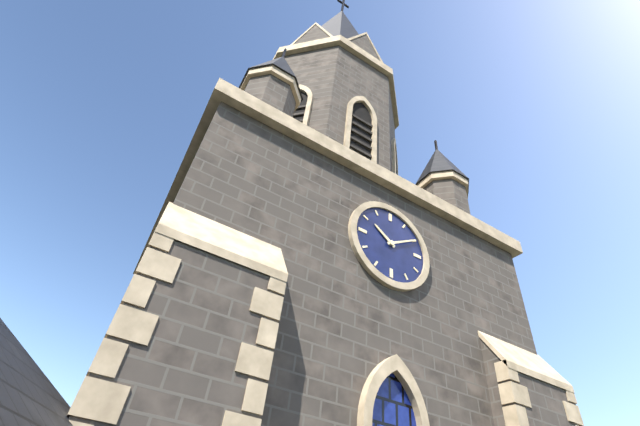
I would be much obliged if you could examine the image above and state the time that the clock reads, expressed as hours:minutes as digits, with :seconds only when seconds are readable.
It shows 10:10
